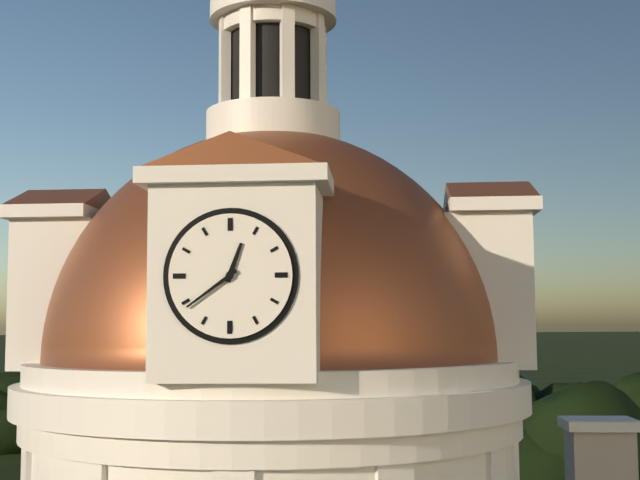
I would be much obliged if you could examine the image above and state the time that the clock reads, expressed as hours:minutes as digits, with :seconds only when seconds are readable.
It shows 12:39
